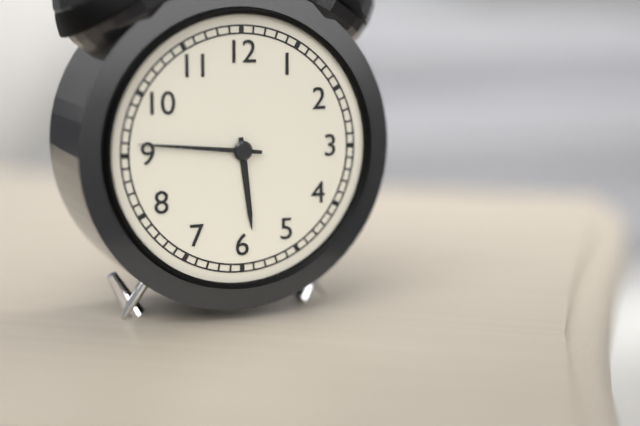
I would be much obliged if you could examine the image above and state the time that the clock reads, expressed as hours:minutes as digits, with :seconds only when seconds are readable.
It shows 5:46
